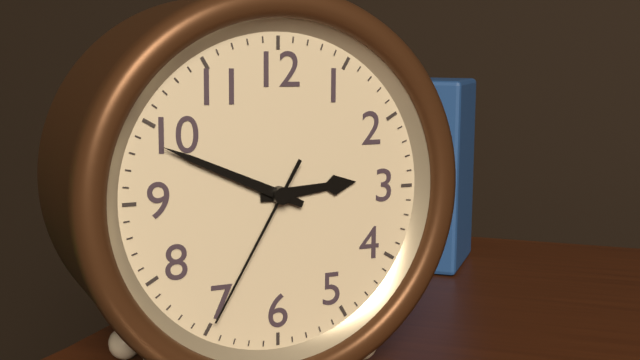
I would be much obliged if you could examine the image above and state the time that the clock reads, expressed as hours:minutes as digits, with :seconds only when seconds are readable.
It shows 2:49:35
